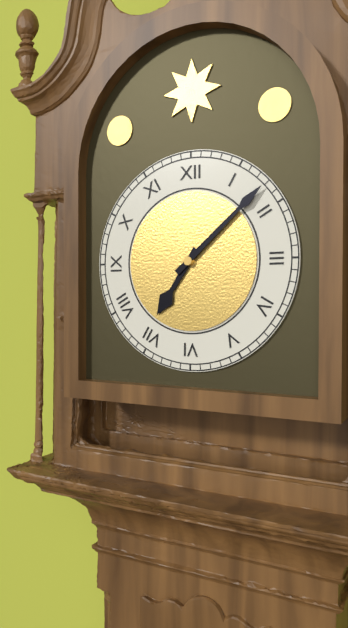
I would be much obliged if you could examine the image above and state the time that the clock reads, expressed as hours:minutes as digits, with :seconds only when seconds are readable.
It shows 7:08
